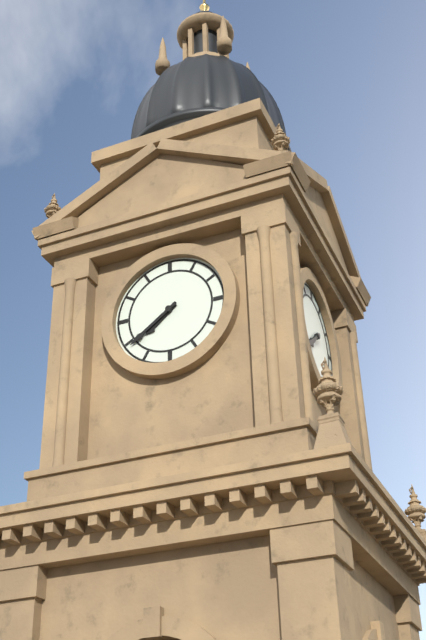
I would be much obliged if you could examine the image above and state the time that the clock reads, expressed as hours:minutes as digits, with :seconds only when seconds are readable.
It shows 7:39
